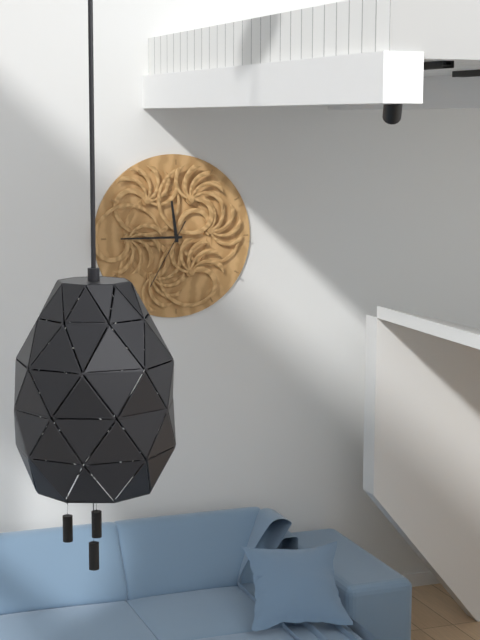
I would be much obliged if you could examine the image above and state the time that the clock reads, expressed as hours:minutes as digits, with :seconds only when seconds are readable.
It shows 11:45:35
